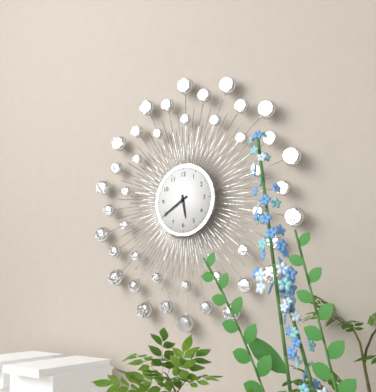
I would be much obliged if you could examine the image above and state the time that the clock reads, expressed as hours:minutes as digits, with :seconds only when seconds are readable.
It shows 5:40
